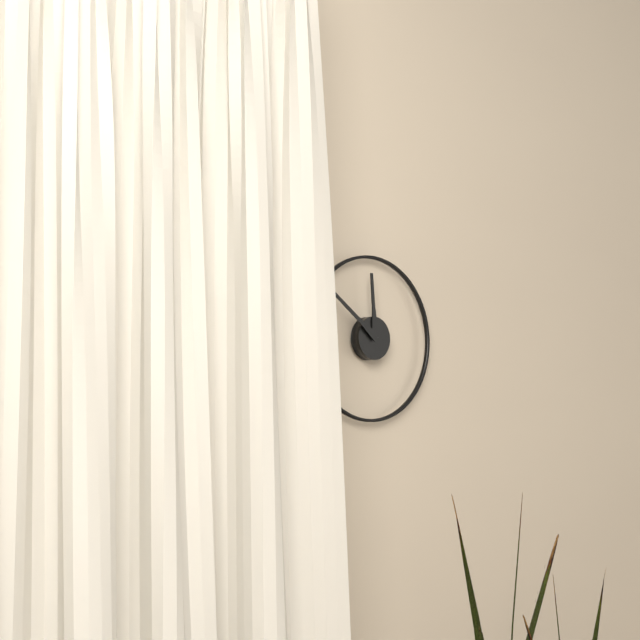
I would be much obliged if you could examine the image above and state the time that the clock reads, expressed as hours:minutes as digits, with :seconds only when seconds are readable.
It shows 11:51
